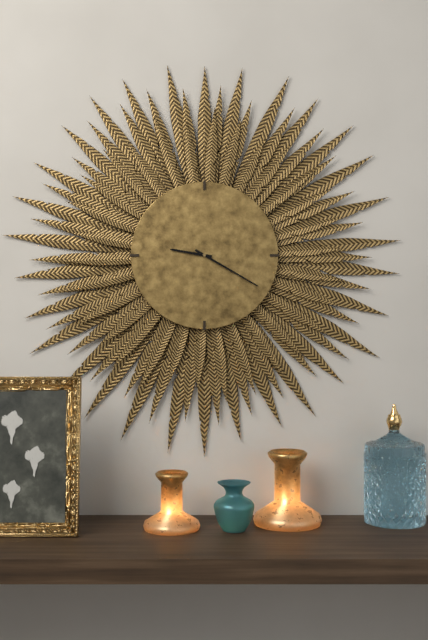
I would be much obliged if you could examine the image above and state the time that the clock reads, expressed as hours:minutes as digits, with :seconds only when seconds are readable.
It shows 9:20
